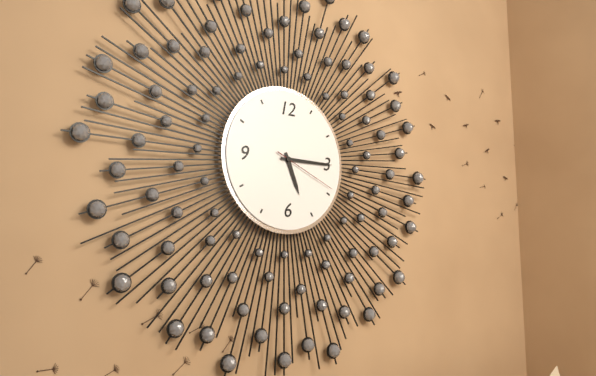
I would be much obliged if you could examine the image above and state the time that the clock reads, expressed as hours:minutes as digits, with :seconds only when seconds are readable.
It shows 5:15:19
